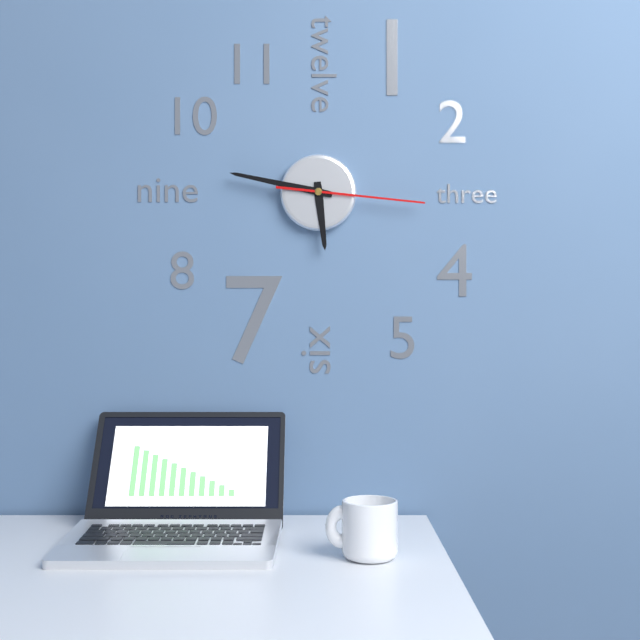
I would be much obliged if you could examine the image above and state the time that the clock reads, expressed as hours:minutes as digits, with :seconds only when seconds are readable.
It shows 5:47:16
